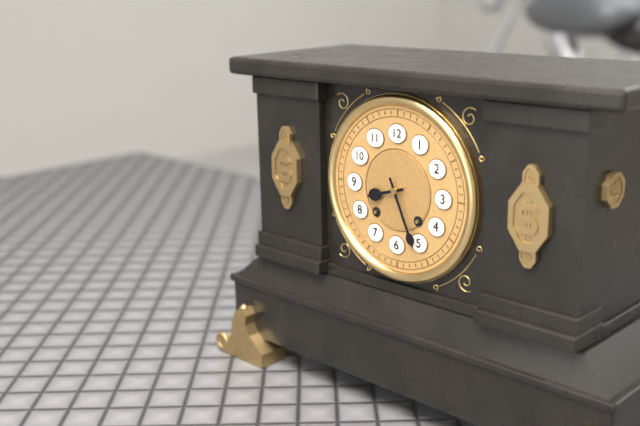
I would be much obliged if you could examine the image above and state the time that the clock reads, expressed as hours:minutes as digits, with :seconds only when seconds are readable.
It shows 8:26
